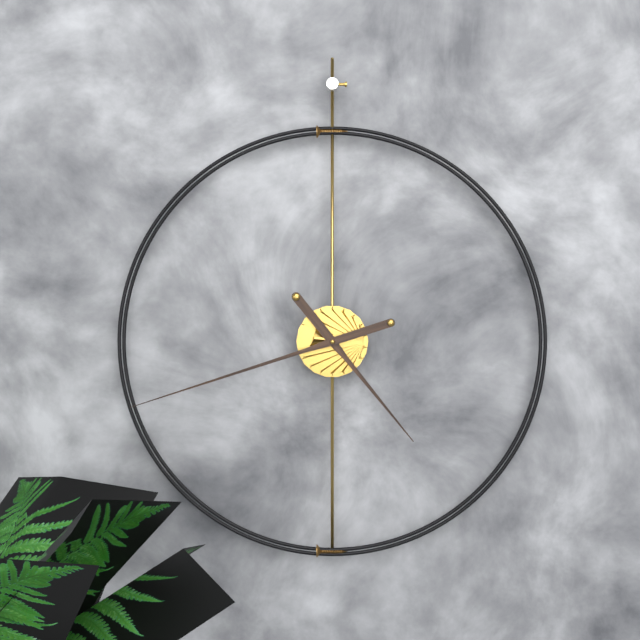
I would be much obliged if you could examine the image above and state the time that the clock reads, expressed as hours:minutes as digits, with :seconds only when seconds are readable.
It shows 4:42
